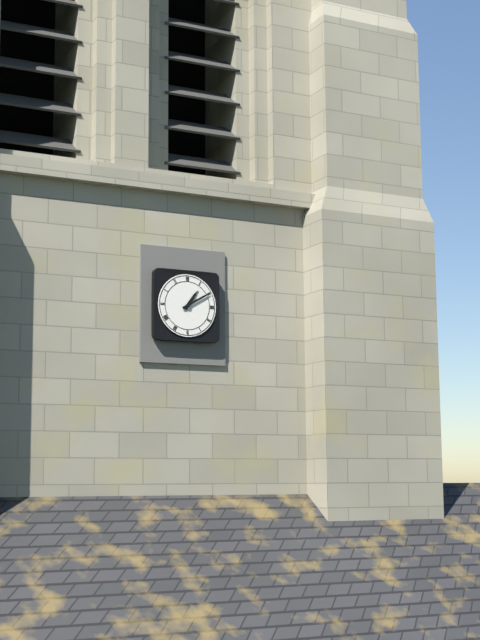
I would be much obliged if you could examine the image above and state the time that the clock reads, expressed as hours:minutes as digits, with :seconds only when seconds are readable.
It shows 1:10
